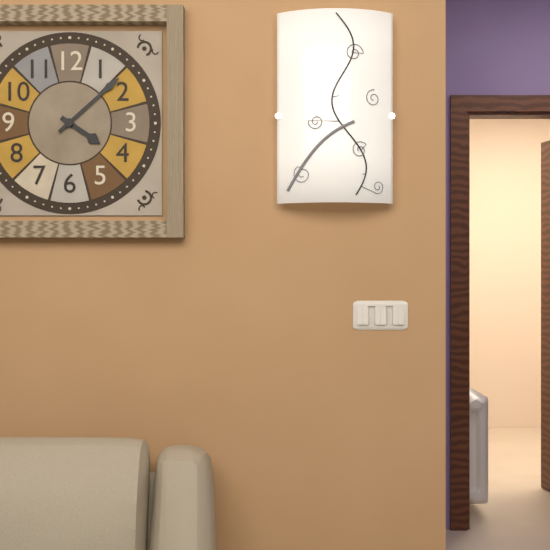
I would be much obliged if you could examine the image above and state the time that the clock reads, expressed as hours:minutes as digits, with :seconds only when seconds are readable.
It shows 4:08
